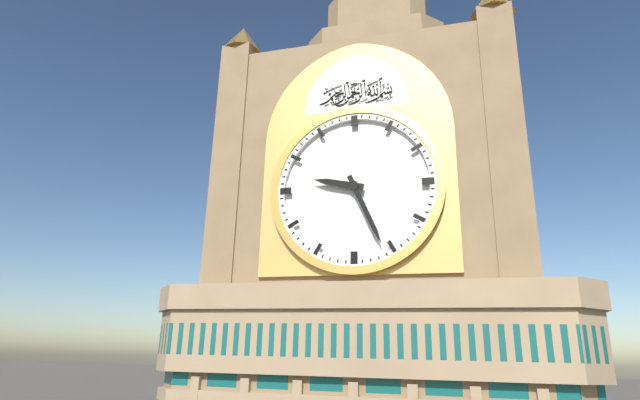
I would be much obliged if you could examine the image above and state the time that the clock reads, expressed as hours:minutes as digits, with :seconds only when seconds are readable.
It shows 9:26
